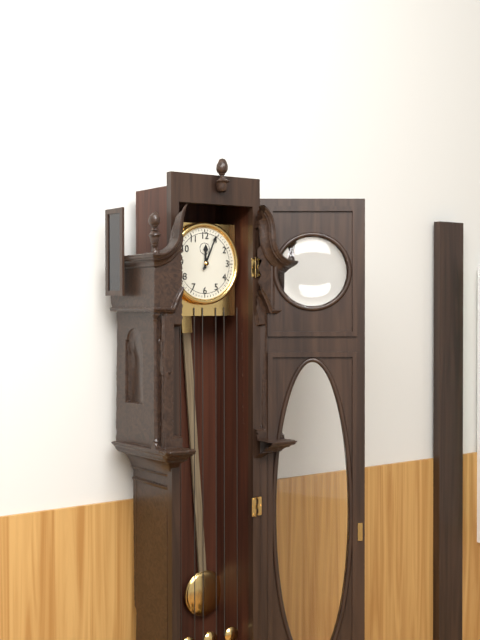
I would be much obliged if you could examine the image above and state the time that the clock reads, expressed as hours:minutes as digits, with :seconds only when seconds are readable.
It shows 12:04
